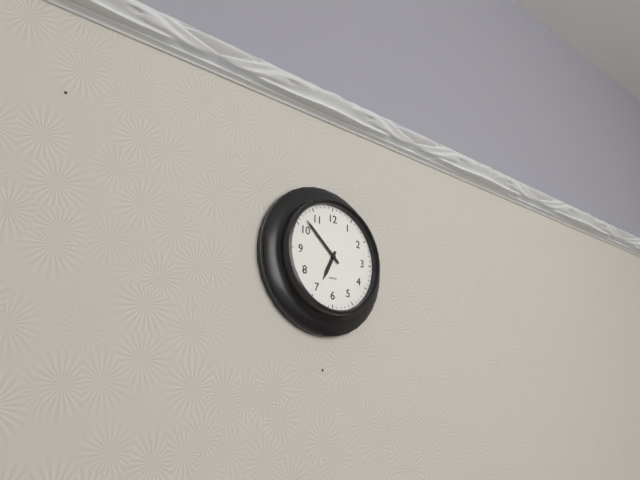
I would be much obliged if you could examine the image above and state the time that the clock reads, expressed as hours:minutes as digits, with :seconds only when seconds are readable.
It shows 6:52
